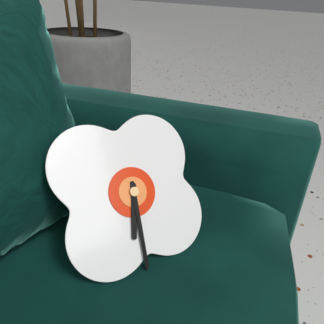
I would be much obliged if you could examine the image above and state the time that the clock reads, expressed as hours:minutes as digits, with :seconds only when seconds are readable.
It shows 6:31
